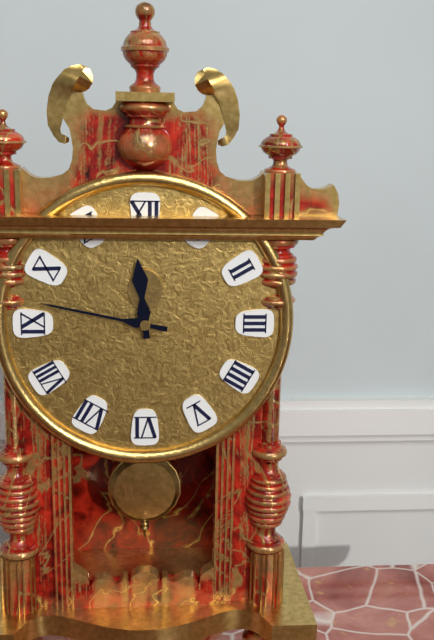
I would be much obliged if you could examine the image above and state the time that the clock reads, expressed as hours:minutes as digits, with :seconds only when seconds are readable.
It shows 11:47
